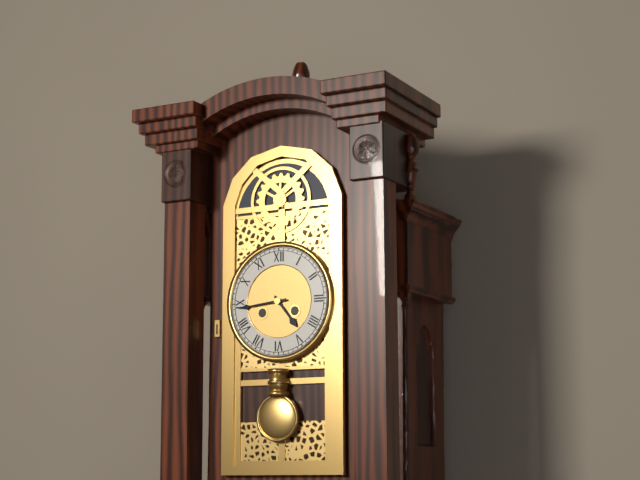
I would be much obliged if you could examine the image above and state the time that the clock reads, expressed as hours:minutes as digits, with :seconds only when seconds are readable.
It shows 4:44
